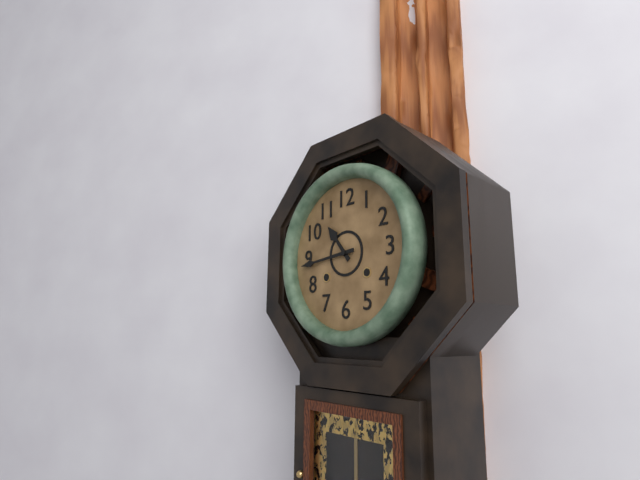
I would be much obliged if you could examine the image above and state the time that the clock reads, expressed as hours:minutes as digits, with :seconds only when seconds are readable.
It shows 10:44
